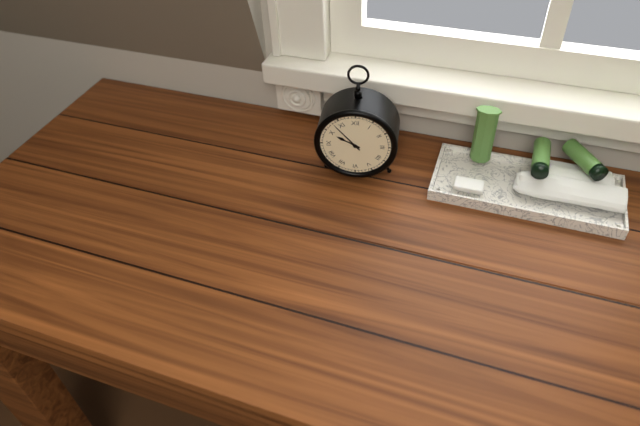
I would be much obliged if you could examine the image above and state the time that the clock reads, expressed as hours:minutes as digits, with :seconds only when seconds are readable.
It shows 9:53
